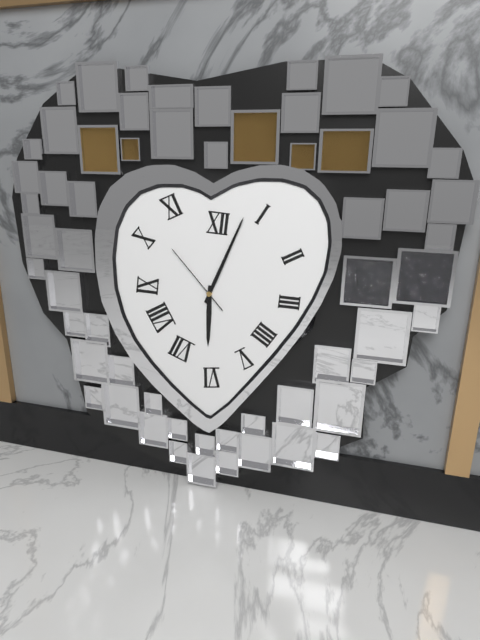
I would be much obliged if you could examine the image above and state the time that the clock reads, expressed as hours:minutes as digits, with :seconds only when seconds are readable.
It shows 6:04:53
